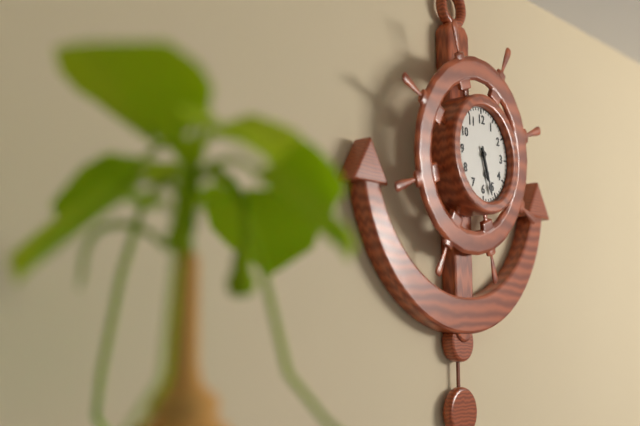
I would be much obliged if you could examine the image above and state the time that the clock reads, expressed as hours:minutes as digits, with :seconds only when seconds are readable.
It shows 5:27
